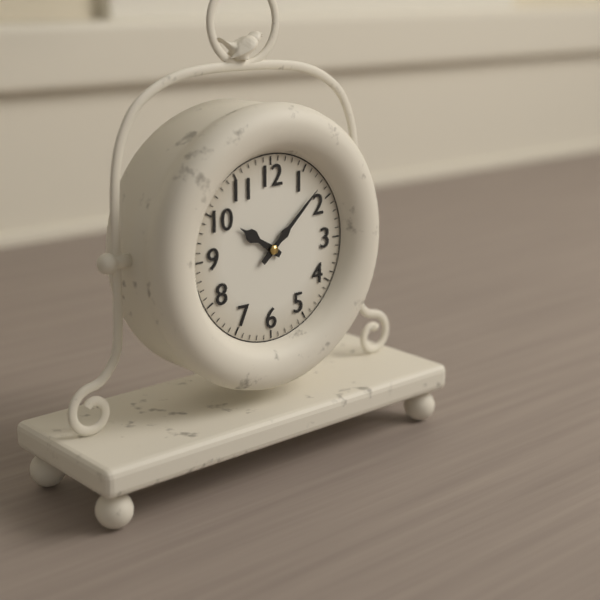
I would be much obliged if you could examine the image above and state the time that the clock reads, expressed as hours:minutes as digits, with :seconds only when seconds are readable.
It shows 10:08
